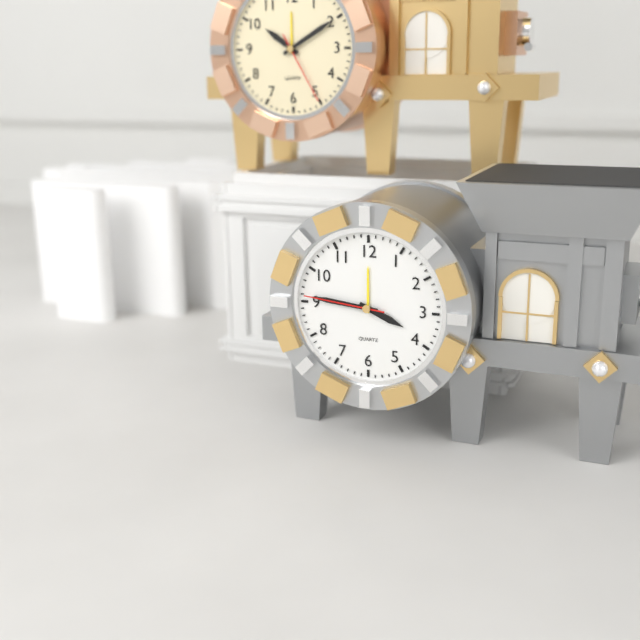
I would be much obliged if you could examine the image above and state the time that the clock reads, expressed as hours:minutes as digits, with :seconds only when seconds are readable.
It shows 3:46:46
